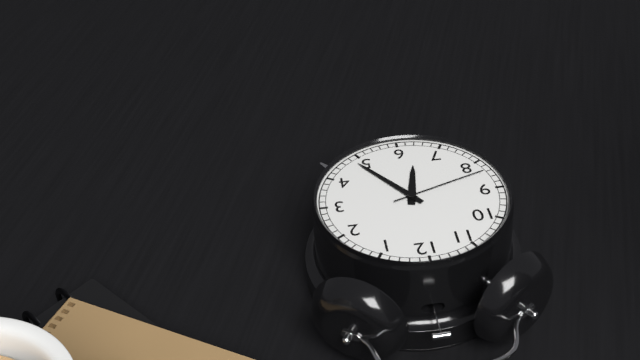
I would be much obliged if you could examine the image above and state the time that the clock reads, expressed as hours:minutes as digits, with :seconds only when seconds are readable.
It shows 6:24:42
